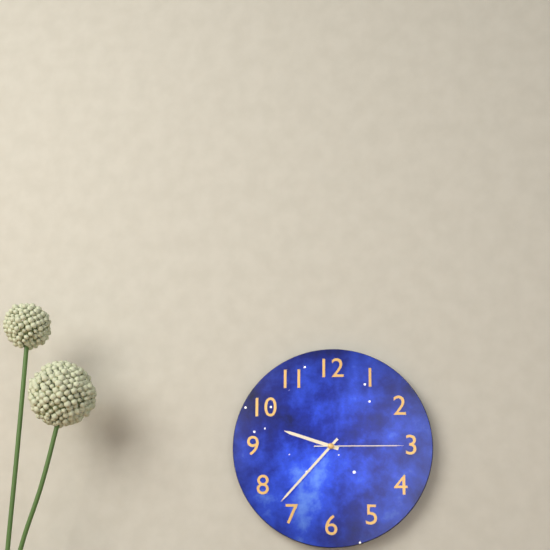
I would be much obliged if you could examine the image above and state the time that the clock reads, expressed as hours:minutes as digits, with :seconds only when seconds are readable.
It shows 9:37:15
